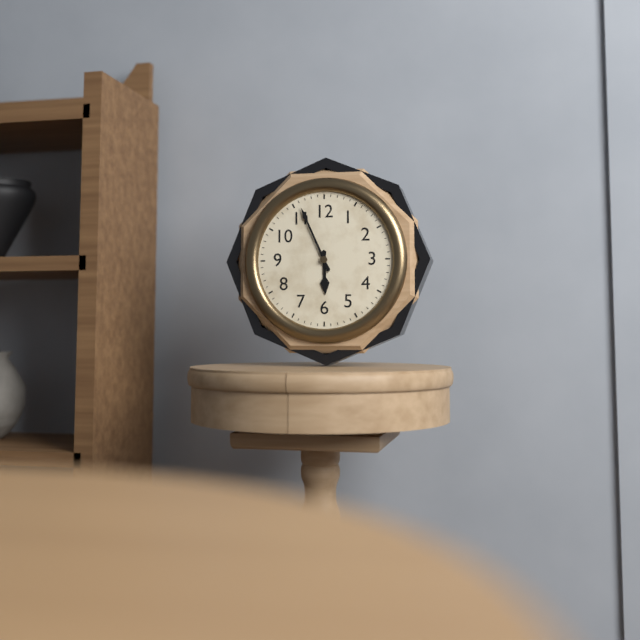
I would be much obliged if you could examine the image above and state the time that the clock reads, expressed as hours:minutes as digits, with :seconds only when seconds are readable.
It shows 5:56
